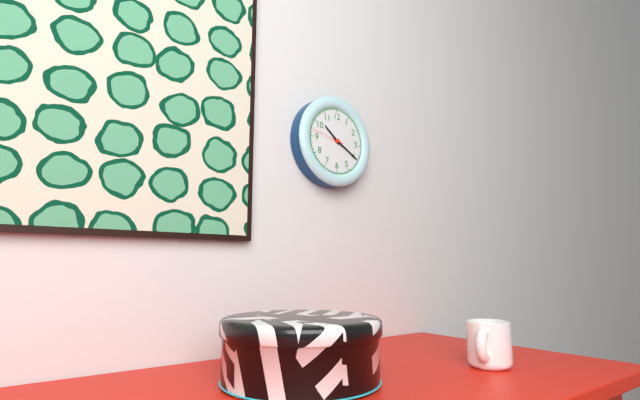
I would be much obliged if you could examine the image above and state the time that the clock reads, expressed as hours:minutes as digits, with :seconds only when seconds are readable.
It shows 10:20
